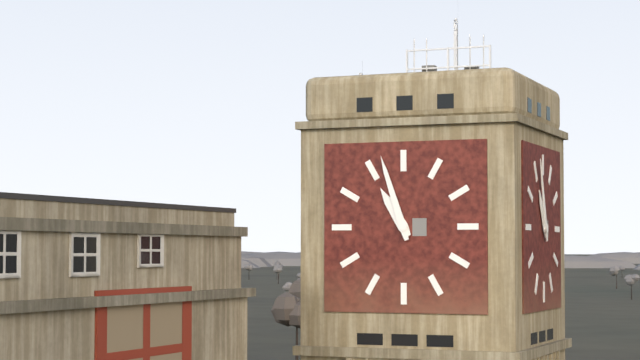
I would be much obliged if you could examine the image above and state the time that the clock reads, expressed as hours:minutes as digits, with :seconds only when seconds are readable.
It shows 10:57
